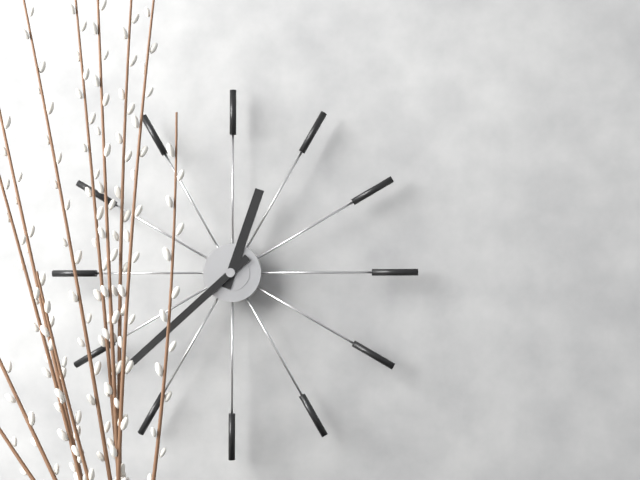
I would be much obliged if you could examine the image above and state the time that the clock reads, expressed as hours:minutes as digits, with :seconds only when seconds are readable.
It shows 12:38
